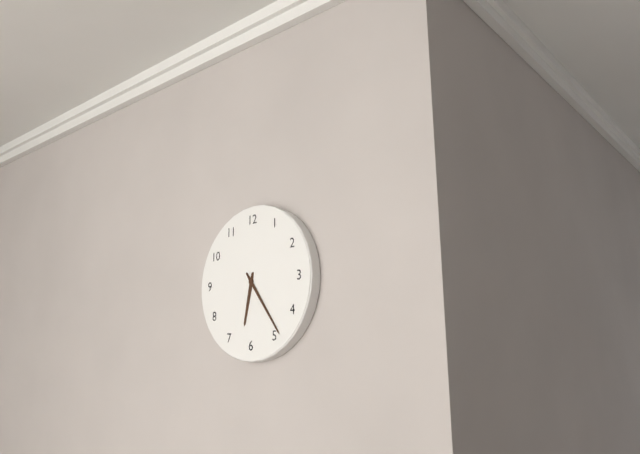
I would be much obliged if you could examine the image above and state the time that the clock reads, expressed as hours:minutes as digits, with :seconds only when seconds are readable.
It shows 6:24
